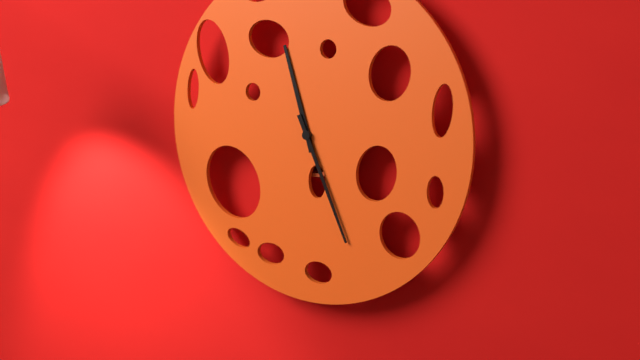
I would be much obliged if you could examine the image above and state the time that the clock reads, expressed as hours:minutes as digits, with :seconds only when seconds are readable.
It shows 11:26
